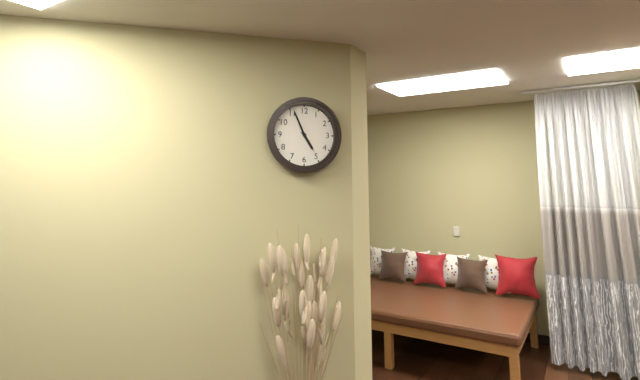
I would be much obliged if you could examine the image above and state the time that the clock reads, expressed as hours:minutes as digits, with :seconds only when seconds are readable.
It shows 4:56
